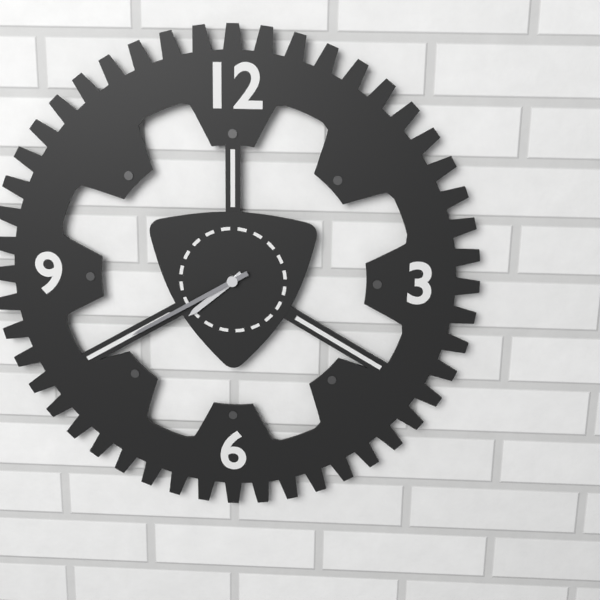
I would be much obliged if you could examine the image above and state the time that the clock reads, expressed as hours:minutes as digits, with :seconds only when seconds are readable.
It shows 7:40
